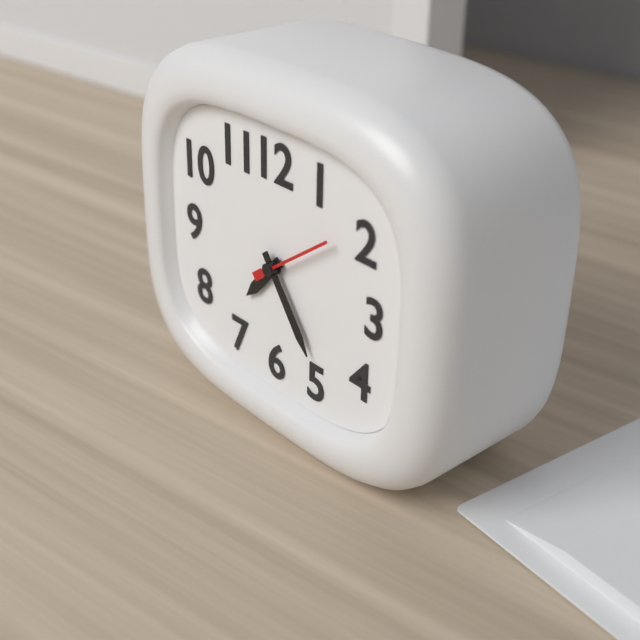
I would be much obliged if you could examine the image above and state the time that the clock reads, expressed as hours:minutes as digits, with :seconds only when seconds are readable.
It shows 7:24:09
